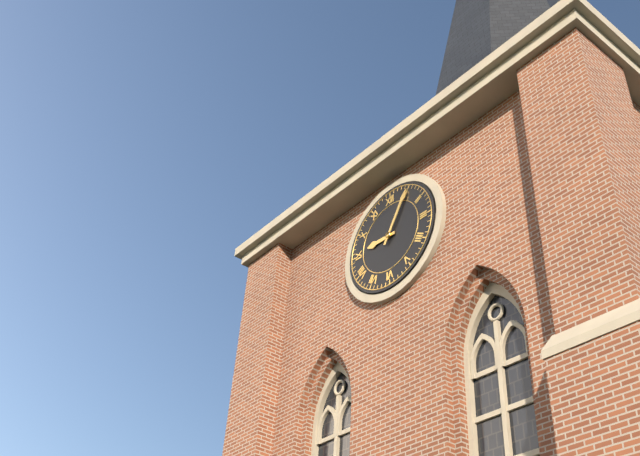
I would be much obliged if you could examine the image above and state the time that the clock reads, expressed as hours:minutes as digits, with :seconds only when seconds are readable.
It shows 9:05
